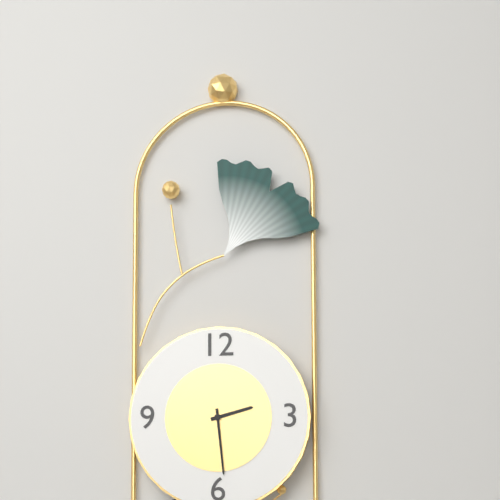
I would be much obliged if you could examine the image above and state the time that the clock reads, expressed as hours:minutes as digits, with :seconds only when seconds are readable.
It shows 2:29
